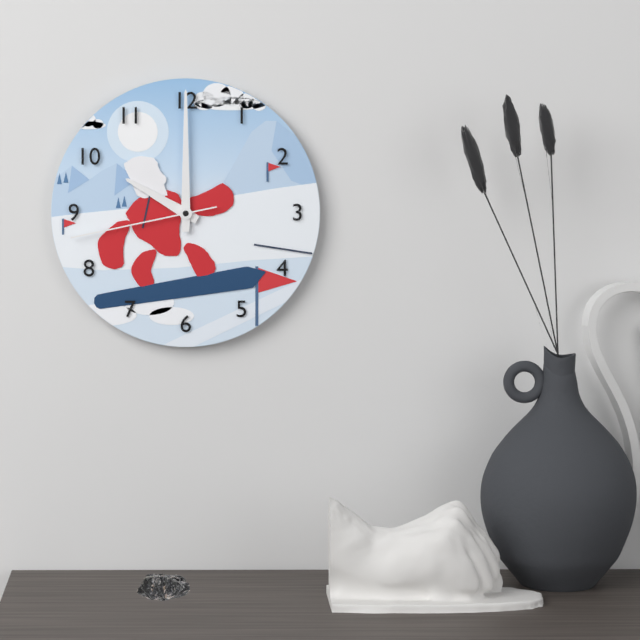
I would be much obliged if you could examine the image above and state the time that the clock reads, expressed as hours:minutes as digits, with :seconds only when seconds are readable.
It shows 10:00:43
